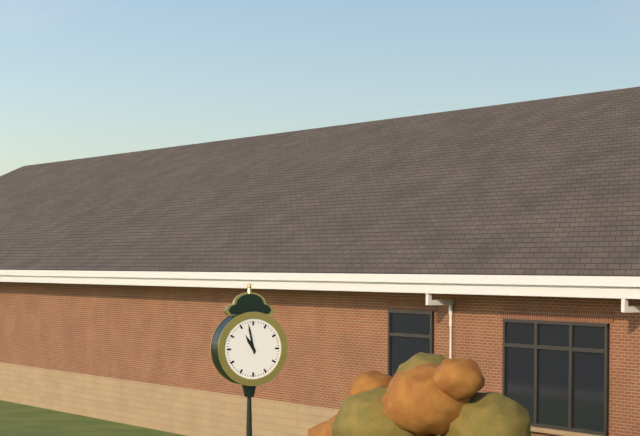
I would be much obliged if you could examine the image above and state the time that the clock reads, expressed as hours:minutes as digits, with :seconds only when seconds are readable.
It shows 10:58
